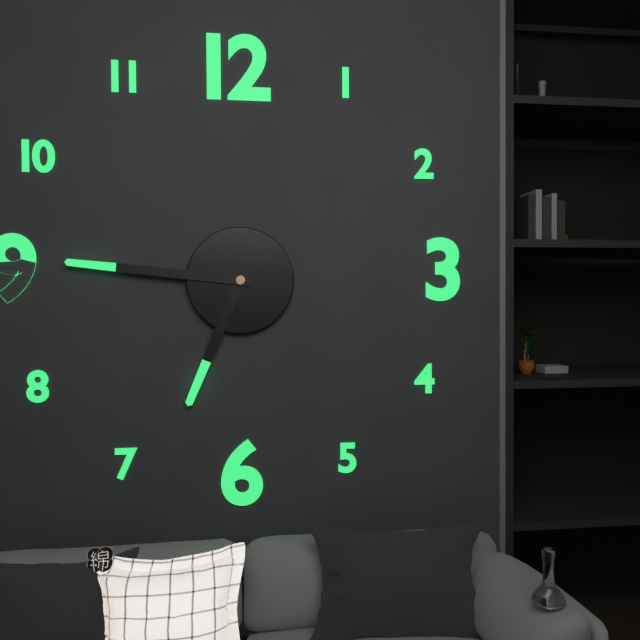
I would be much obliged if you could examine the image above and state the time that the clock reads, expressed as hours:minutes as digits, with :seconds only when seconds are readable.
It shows 6:46
